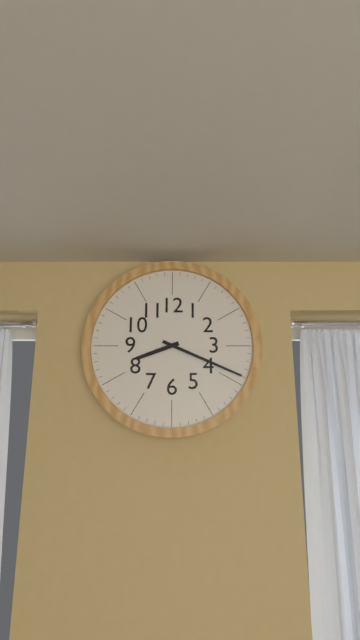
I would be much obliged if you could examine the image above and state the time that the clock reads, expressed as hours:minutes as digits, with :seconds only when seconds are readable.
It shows 8:19
